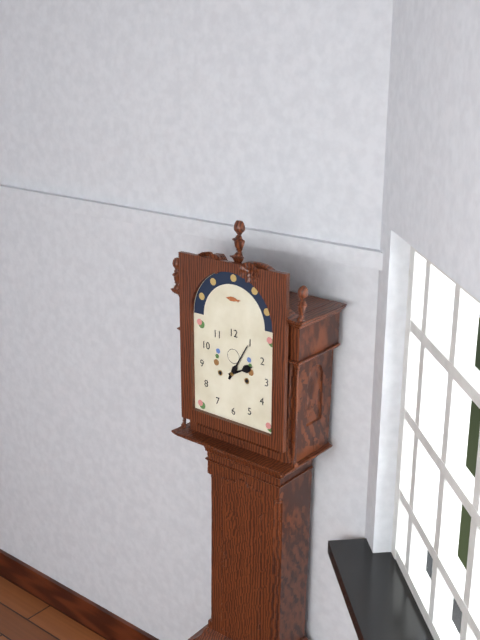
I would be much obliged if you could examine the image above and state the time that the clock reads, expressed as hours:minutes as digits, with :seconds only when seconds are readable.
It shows 2:05
